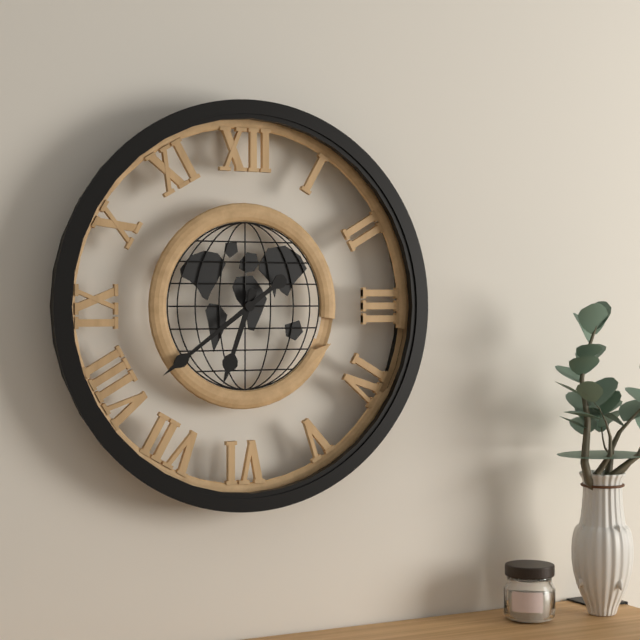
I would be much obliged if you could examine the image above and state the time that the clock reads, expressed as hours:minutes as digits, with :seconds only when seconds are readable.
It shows 6:39
